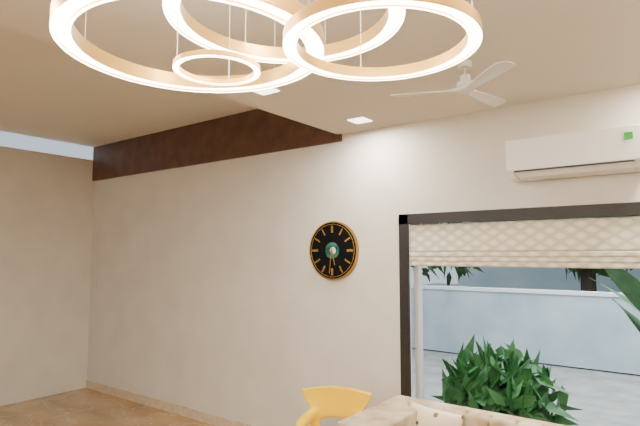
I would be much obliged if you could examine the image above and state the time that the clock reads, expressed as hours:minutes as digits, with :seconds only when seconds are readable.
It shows 5:31
